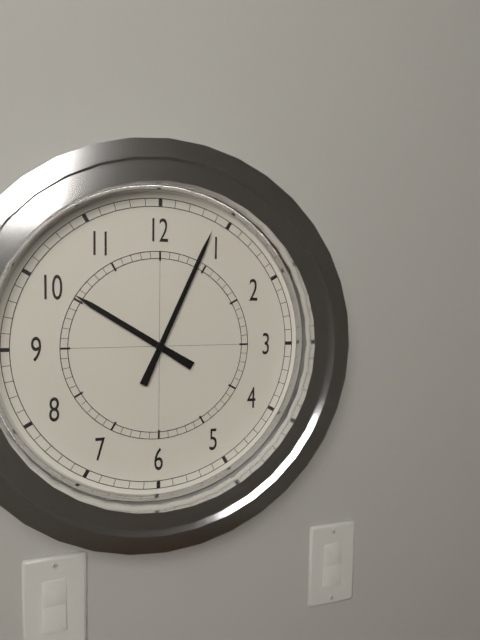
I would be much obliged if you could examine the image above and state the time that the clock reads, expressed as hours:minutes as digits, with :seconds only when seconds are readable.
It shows 10:04
